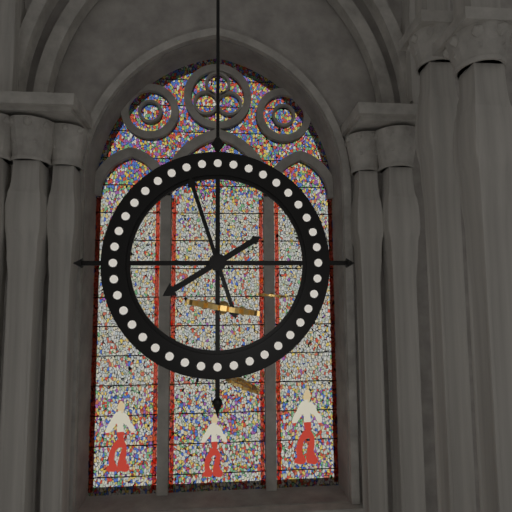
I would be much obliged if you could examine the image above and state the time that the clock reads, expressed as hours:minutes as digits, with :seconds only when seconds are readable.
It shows 7:57
